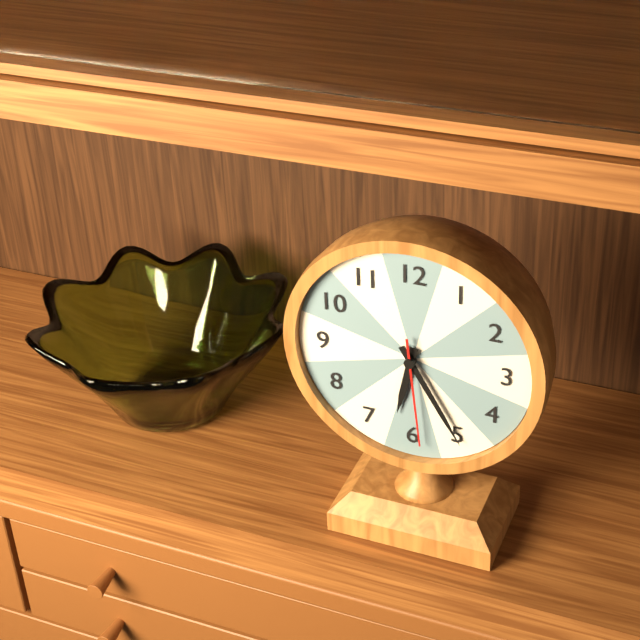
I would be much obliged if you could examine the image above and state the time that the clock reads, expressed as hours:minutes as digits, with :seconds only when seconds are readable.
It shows 6:25:29
